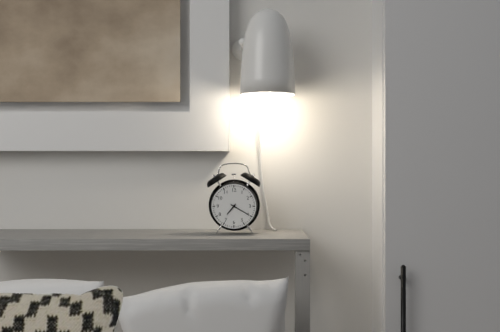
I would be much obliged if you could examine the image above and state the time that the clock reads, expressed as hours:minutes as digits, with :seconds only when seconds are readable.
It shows 7:20
